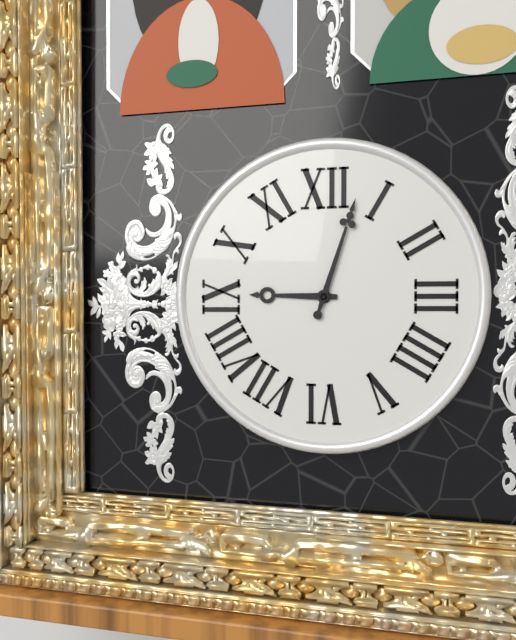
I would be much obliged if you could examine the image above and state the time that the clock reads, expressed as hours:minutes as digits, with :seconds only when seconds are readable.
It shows 9:03
